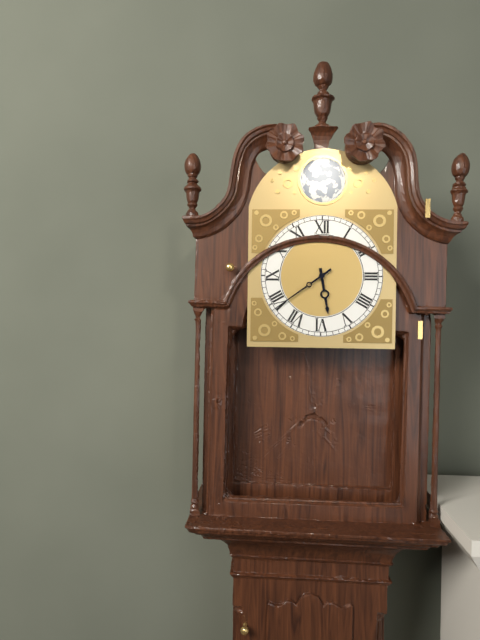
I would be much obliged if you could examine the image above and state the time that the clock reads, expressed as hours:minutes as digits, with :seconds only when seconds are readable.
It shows 5:39
